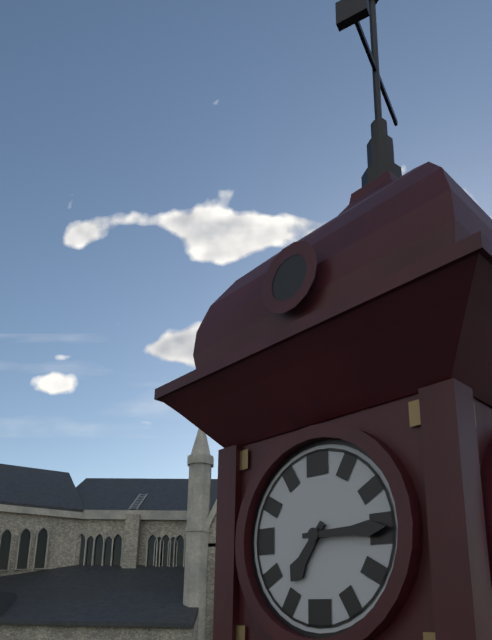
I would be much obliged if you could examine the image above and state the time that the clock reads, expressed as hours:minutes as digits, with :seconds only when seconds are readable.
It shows 7:15
